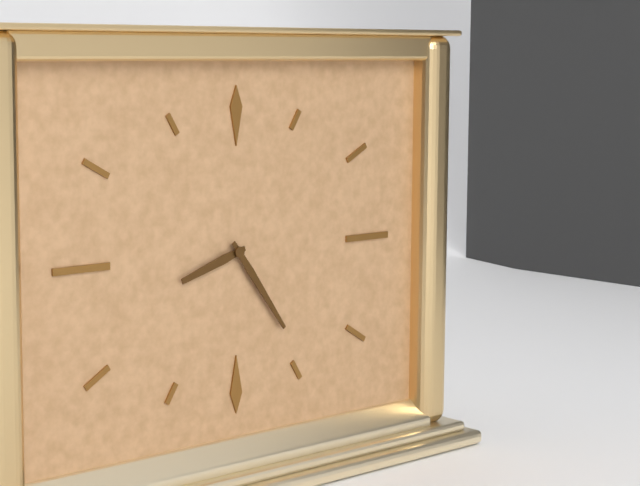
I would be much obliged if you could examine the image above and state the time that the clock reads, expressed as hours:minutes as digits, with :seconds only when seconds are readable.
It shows 8:24
